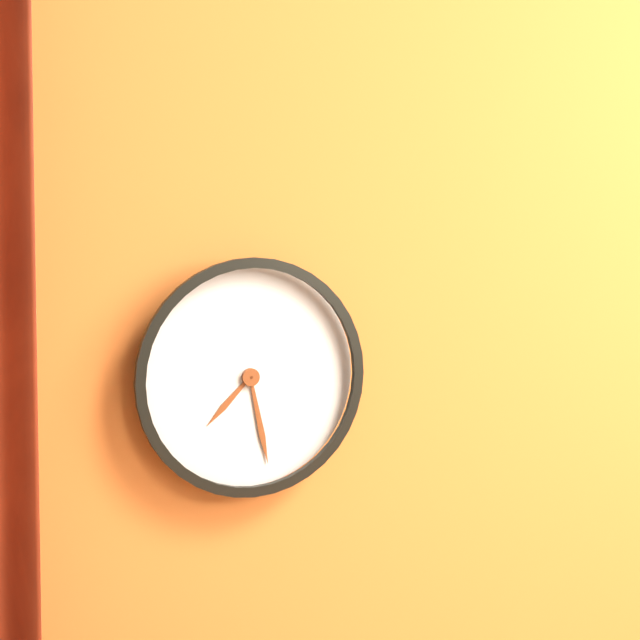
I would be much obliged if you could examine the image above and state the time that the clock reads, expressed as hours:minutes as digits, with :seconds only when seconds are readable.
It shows 7:28
